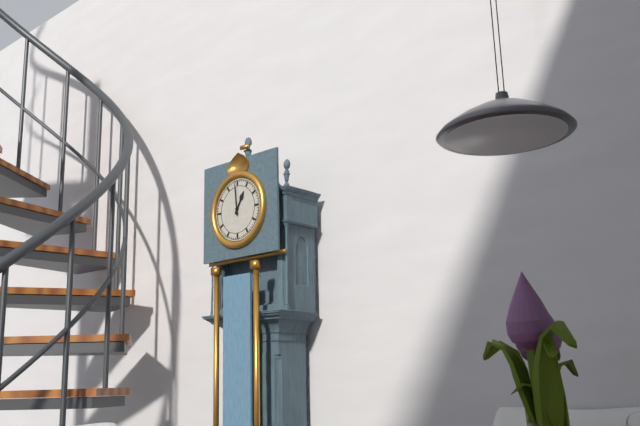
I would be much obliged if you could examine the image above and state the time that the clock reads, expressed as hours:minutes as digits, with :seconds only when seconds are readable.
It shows 12:59
